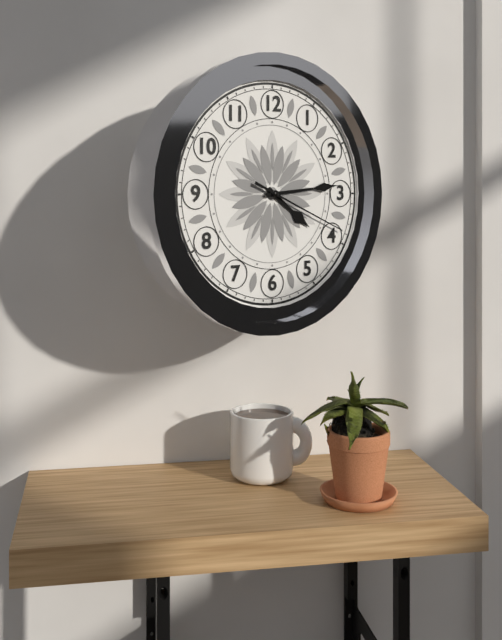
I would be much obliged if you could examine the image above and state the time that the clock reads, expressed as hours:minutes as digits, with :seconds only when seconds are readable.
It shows 4:14:19
